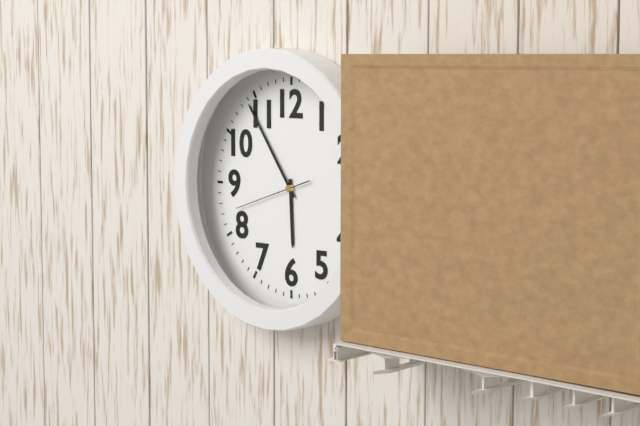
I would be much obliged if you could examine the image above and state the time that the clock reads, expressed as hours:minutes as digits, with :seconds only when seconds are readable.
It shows 5:54:42
